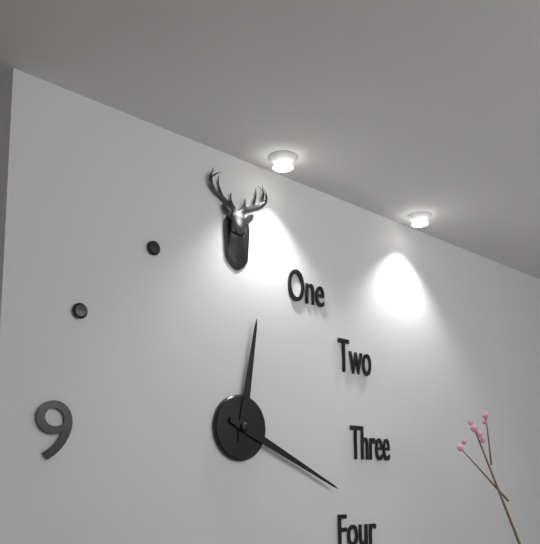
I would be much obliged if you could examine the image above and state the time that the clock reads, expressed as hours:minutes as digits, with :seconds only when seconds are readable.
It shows 12:19
